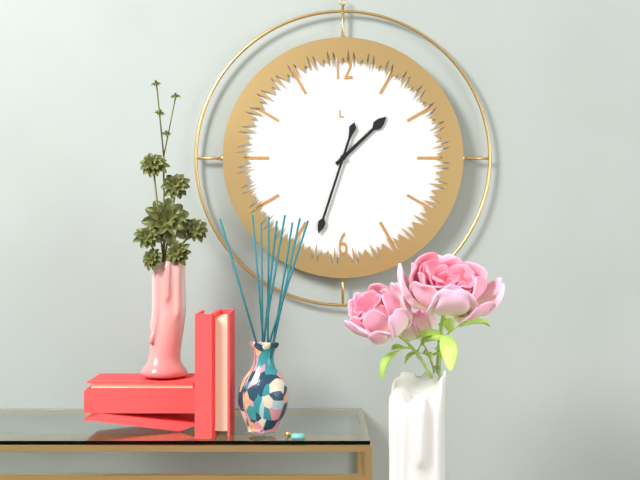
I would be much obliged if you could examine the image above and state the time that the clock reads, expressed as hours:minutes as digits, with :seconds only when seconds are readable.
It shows 1:33
